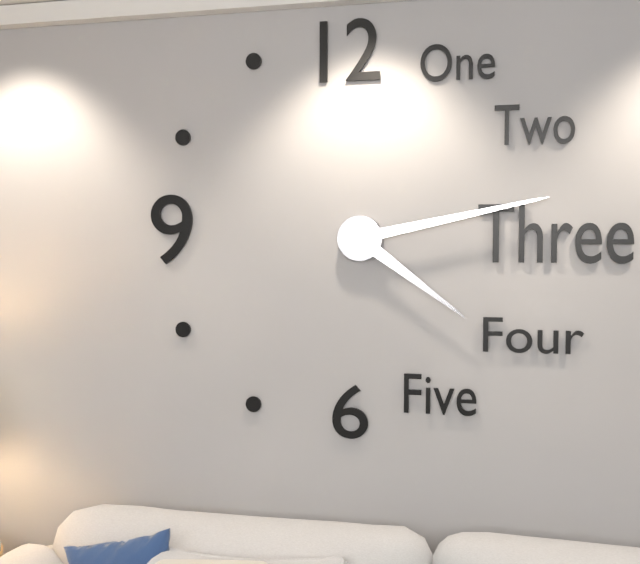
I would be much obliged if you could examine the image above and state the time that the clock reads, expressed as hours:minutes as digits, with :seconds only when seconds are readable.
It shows 4:13
